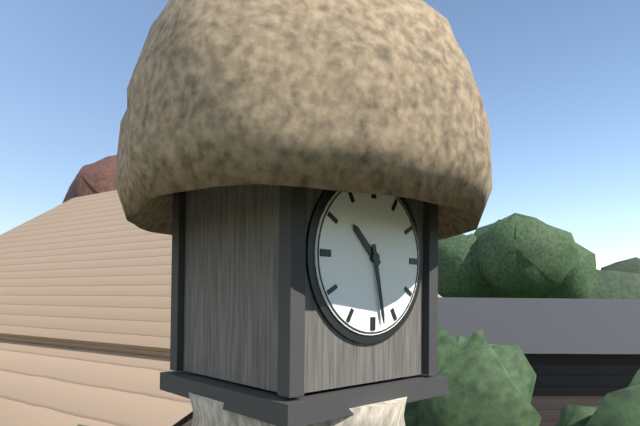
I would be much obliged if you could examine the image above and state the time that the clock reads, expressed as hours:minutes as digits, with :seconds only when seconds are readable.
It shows 10:28
